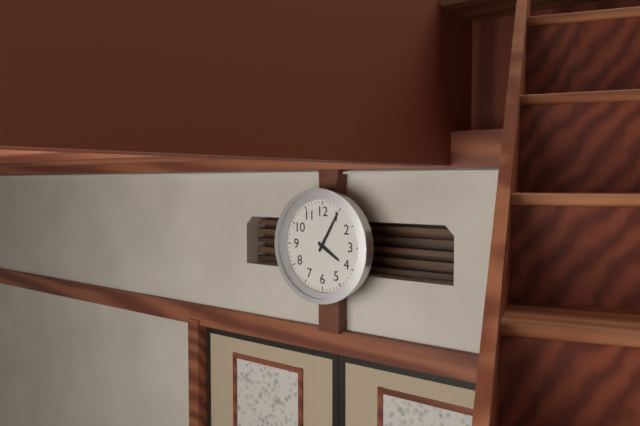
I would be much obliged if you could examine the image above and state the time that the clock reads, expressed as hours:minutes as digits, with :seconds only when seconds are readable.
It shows 4:05
